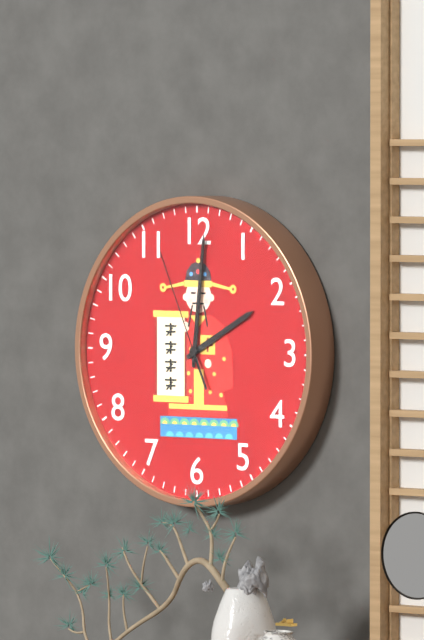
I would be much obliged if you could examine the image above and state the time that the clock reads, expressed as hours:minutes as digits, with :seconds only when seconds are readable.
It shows 2:01:56
